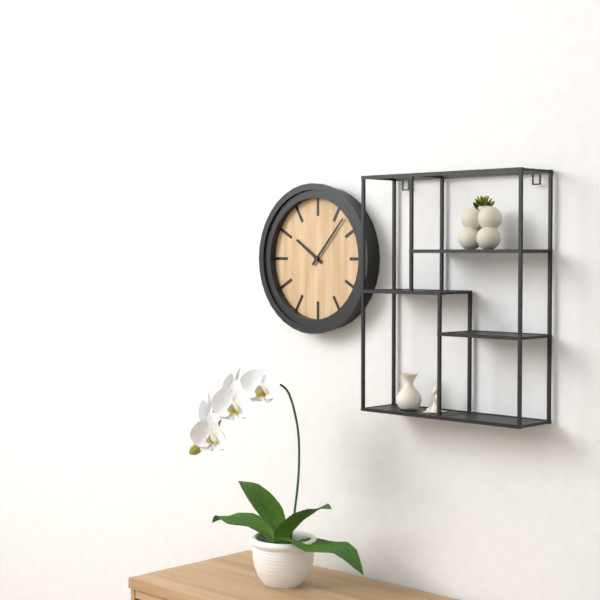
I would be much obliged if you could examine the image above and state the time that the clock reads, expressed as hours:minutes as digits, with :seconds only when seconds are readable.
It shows 10:07
